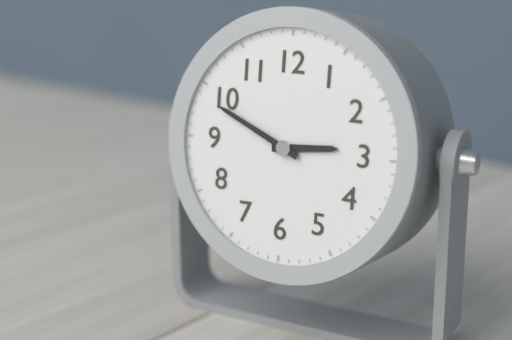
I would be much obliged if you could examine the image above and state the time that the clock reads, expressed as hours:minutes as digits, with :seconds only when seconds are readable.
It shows 2:49
